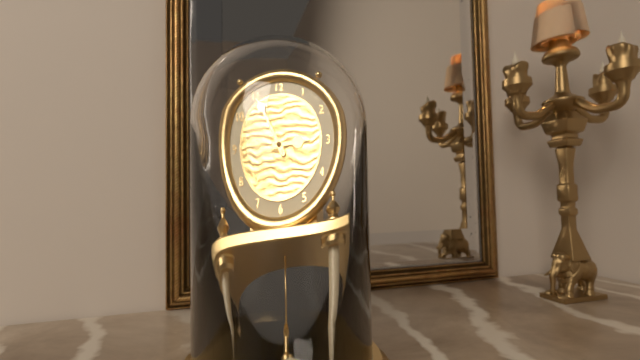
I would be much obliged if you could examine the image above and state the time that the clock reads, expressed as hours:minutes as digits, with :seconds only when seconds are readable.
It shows 2:55
